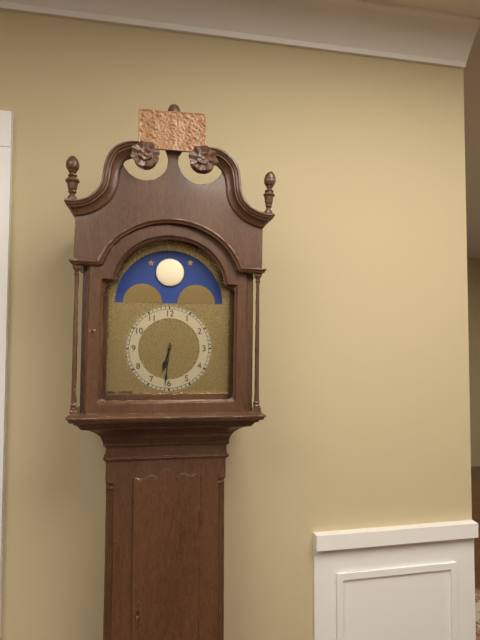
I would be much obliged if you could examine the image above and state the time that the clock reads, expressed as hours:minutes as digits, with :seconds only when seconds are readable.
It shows 6:31
